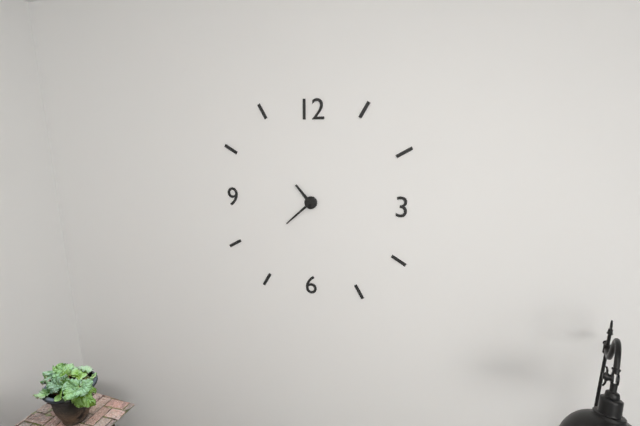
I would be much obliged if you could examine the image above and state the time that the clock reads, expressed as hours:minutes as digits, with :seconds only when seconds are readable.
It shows 10:38
